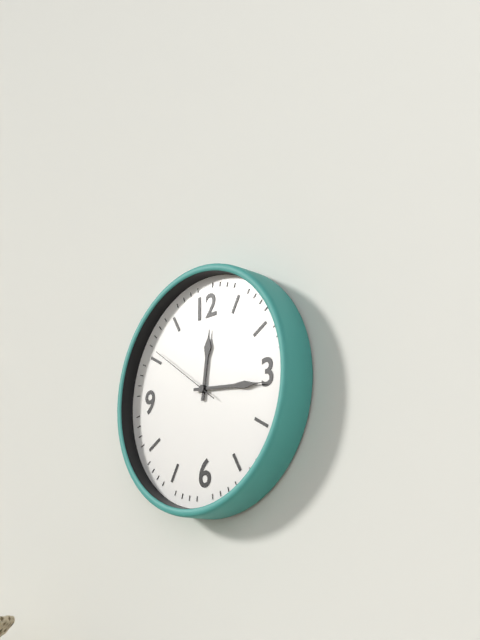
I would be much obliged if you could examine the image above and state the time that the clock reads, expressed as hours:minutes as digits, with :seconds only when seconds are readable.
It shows 12:16:51
